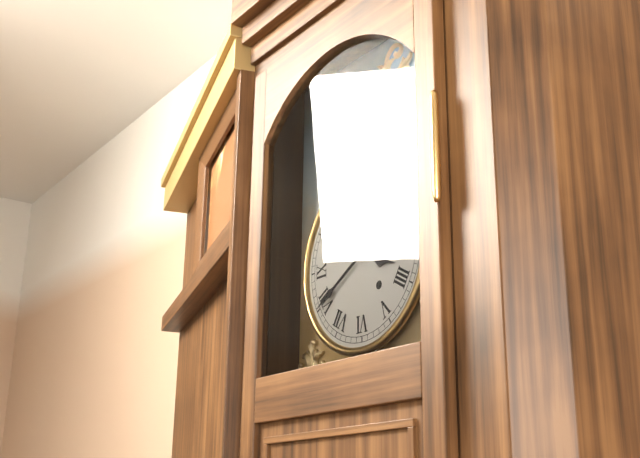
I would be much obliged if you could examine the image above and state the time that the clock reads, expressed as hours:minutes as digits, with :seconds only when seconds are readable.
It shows 3:40
